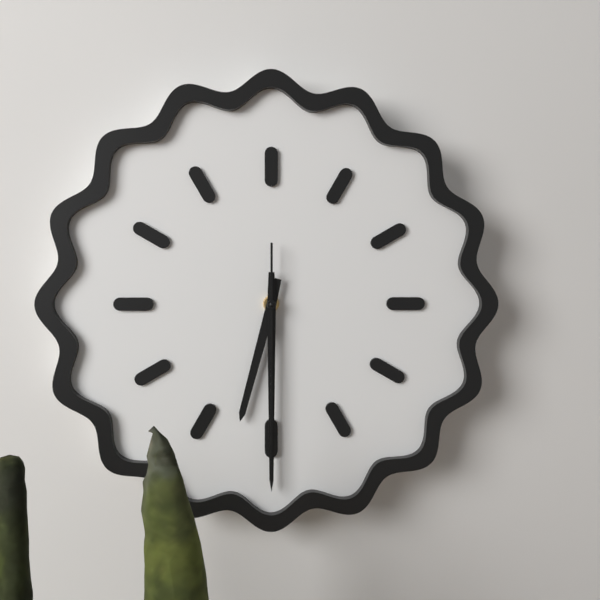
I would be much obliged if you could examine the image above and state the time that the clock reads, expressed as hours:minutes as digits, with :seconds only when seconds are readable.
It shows 6:30:30
